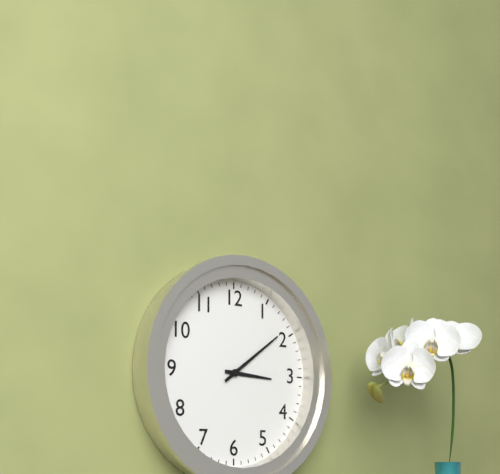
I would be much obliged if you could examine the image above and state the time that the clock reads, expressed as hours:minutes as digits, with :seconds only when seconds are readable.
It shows 3:09
